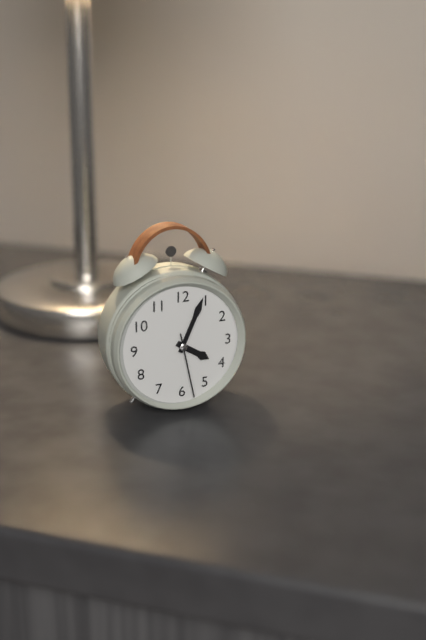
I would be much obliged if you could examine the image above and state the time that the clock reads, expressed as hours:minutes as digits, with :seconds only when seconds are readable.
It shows 4:04:28
